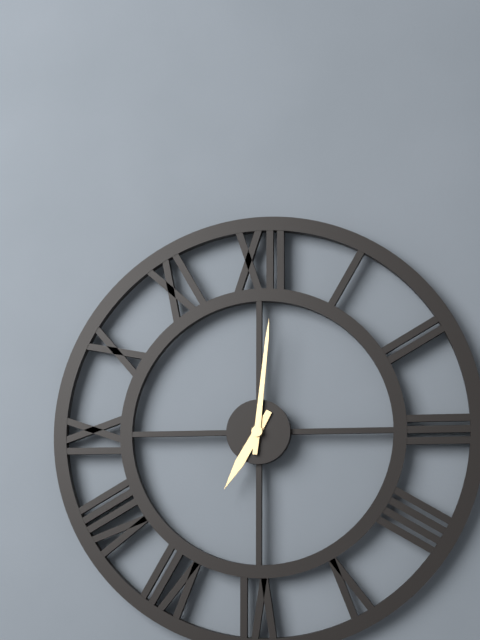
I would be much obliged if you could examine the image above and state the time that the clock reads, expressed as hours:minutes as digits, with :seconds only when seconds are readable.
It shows 7:01
